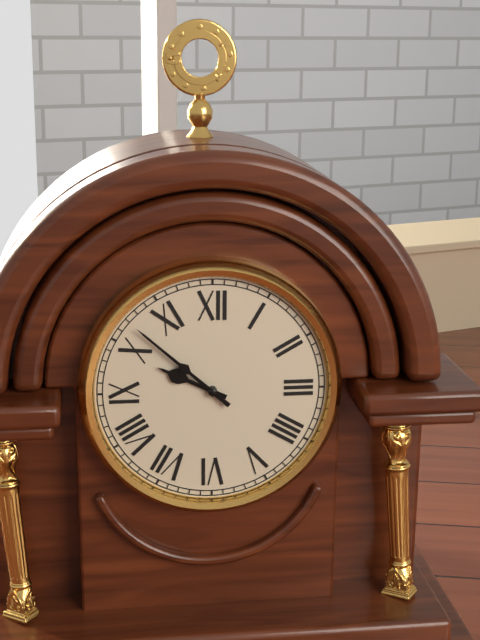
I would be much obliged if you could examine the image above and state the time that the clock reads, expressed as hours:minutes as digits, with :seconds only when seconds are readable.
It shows 9:52
